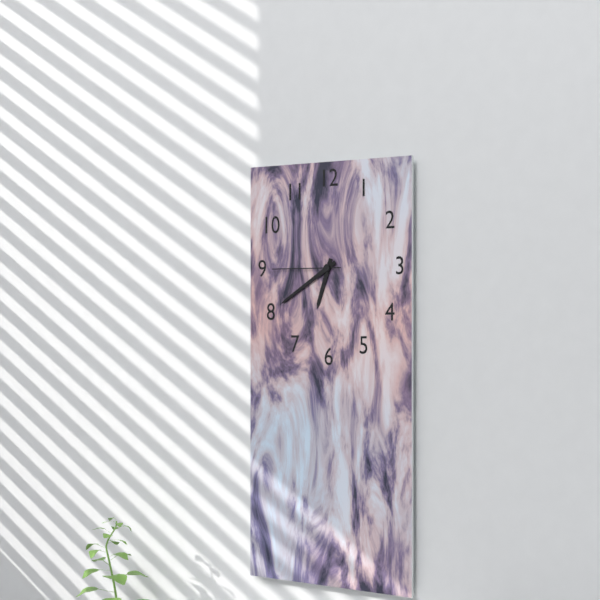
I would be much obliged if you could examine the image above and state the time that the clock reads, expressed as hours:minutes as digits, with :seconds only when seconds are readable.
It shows 6:40:45
